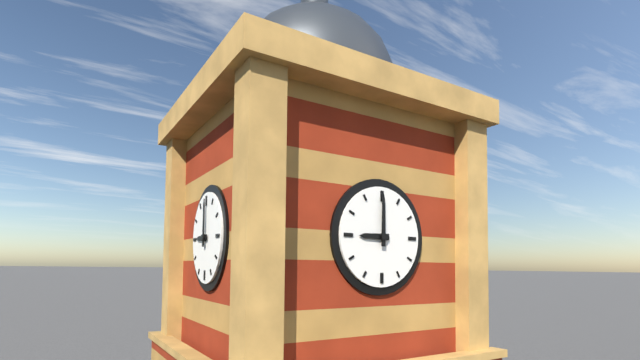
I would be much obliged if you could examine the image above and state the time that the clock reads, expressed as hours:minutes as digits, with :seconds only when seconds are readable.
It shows 9:00
